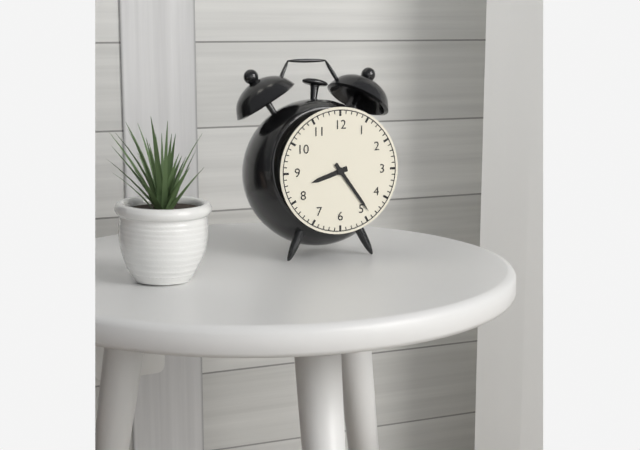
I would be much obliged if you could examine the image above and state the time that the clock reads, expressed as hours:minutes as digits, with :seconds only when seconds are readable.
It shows 8:24
